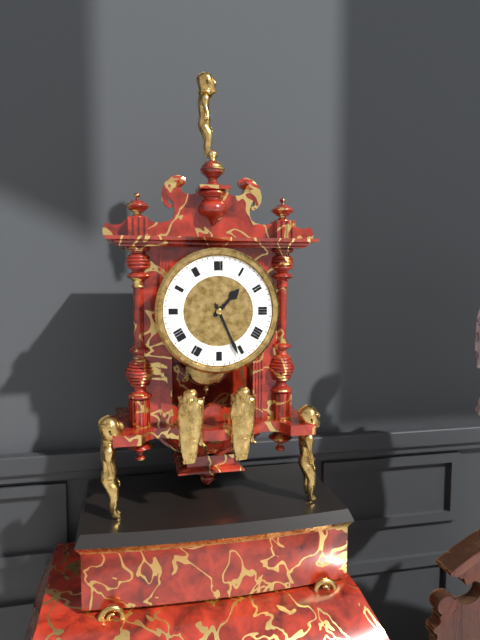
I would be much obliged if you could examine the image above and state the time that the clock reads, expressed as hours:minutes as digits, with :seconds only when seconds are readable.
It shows 1:26
